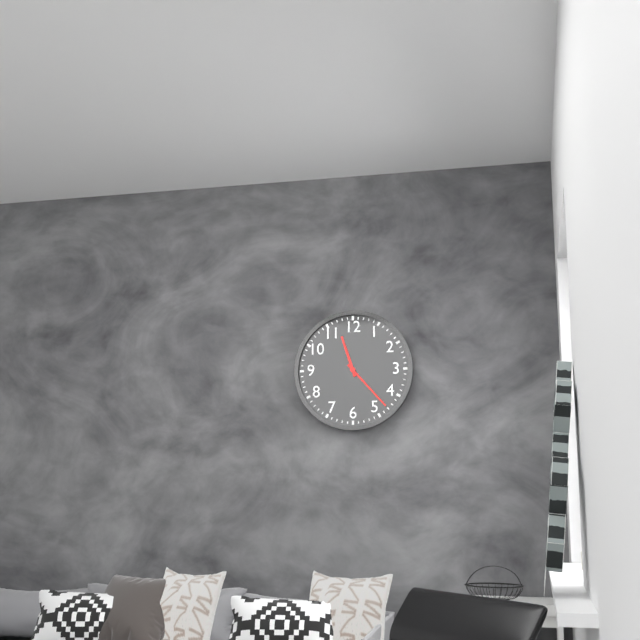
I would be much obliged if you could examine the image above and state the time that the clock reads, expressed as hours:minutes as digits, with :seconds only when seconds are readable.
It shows 11:23
